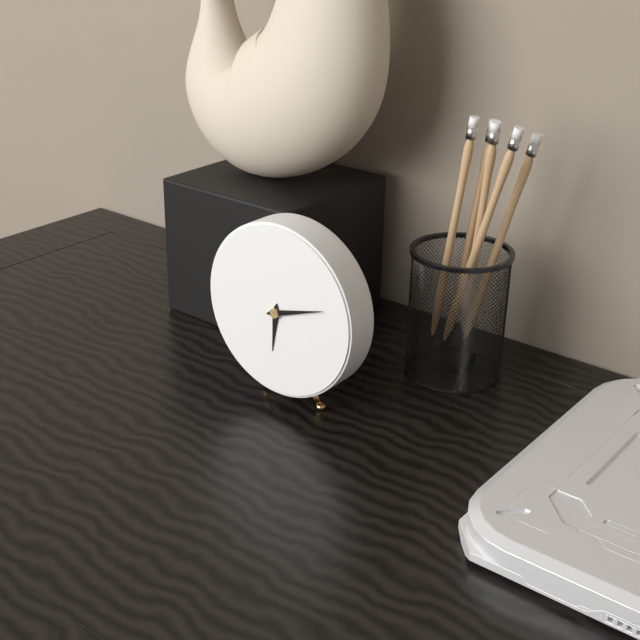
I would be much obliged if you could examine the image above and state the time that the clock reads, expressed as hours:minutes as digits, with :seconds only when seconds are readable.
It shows 6:12
